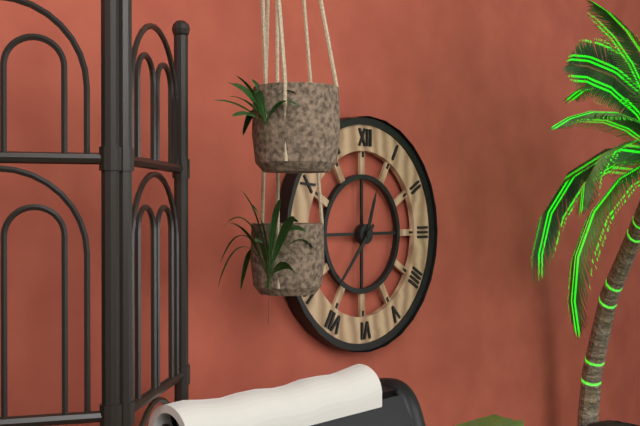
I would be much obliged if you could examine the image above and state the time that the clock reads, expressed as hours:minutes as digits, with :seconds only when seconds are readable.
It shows 12:37
